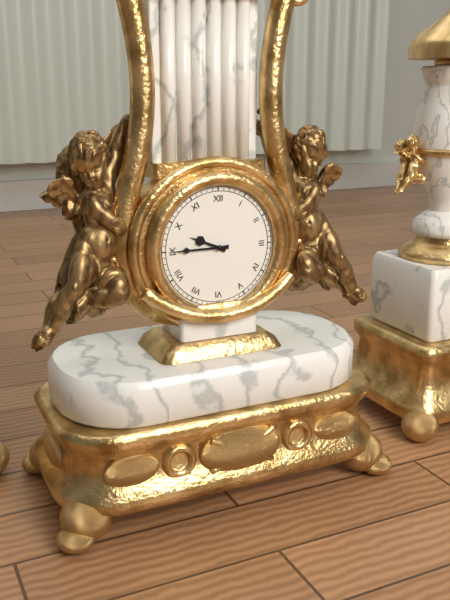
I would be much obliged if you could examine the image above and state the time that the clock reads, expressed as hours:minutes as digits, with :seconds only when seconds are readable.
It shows 9:45
